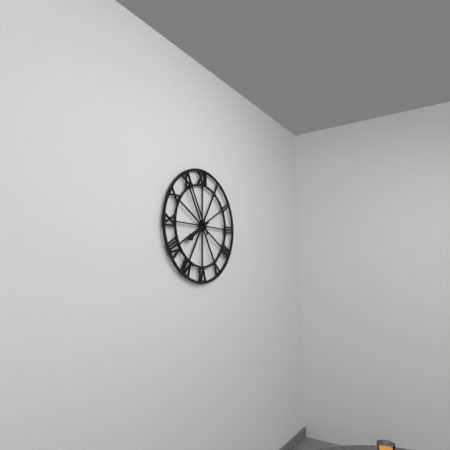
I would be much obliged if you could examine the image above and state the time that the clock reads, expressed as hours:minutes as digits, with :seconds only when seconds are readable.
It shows 7:55
